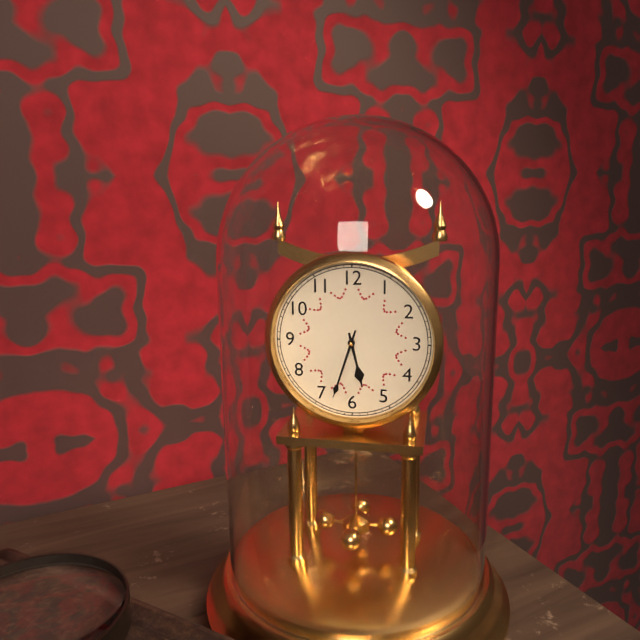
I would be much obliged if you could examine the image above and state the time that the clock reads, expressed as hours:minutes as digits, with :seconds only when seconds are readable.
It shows 5:33
